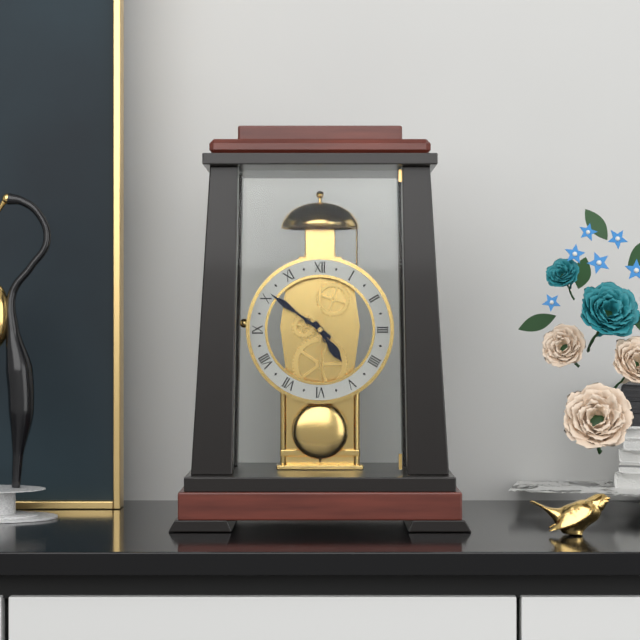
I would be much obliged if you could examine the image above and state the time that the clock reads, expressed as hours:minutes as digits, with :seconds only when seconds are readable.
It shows 4:51
